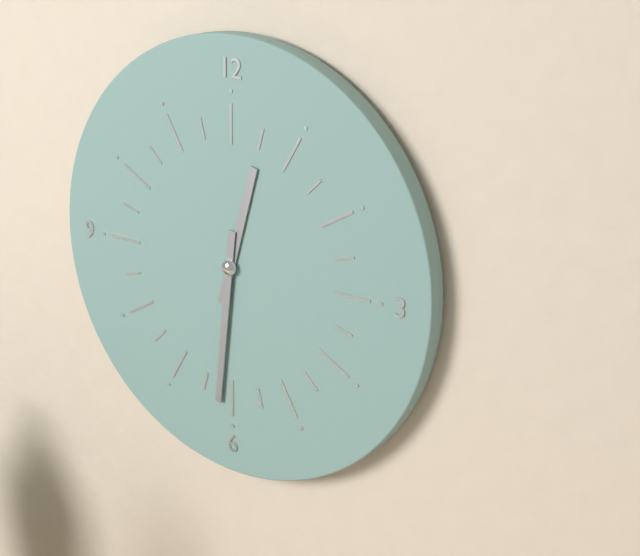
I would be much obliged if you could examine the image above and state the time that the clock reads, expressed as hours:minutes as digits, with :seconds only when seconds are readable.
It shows 12:31
